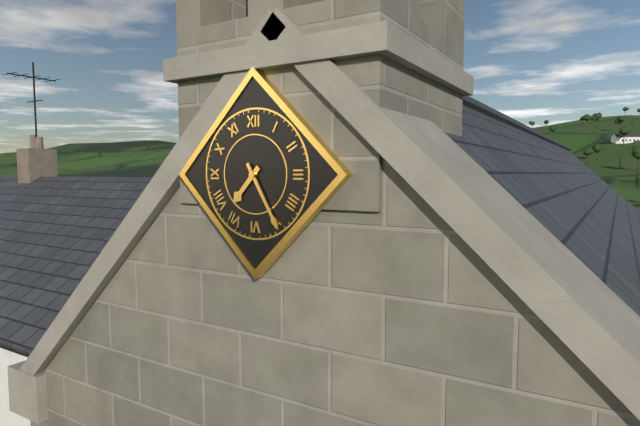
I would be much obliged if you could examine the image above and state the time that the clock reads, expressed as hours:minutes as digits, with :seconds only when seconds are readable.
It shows 7:25
